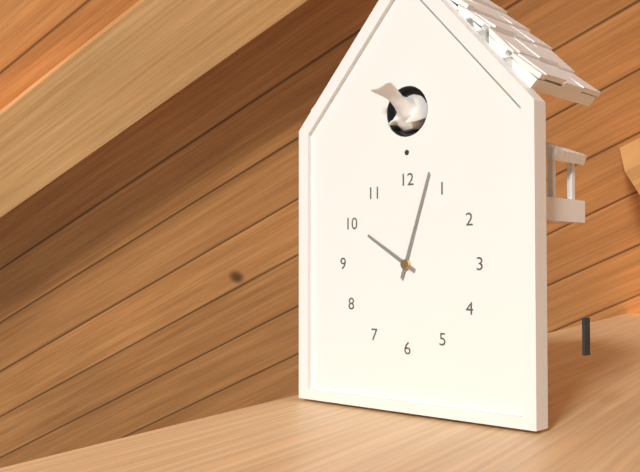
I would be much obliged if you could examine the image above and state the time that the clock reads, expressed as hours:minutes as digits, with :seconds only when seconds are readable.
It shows 10:03
